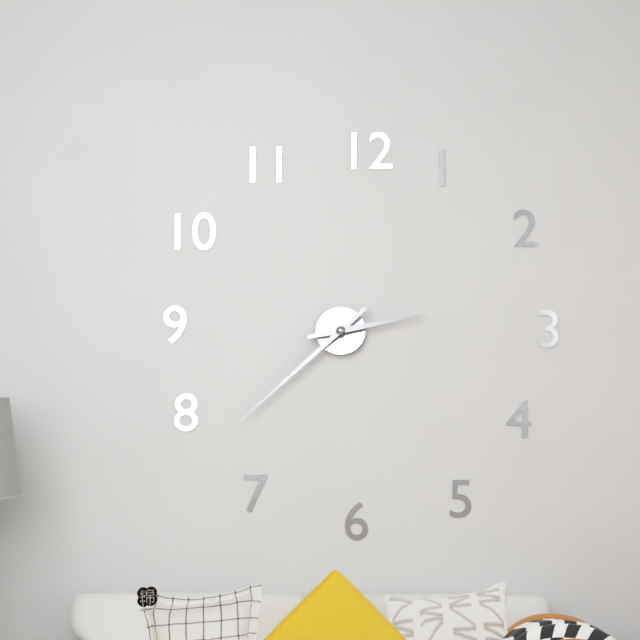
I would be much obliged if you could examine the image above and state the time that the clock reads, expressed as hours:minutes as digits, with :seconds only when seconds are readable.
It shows 2:38
